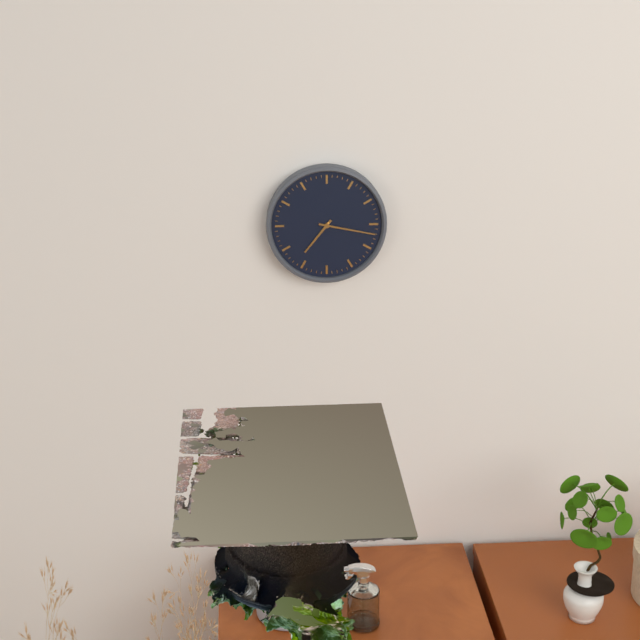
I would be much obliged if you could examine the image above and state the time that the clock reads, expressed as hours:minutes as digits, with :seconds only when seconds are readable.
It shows 7:17
